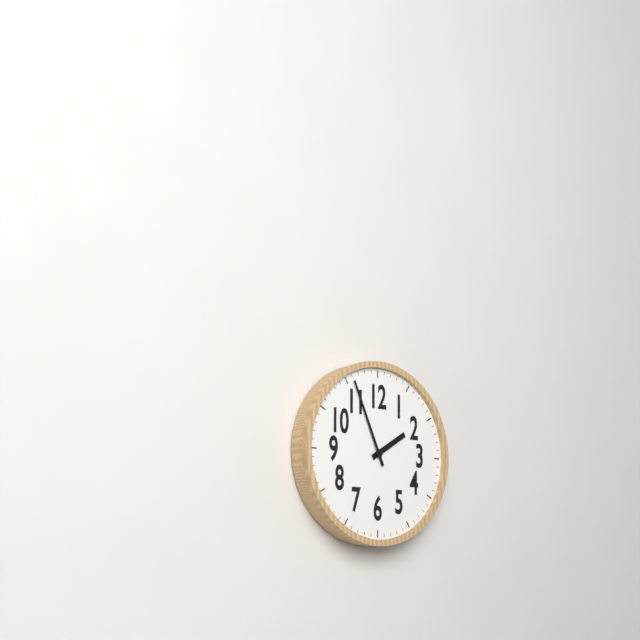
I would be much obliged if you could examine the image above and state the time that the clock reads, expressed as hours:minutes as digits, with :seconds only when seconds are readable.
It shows 1:56
